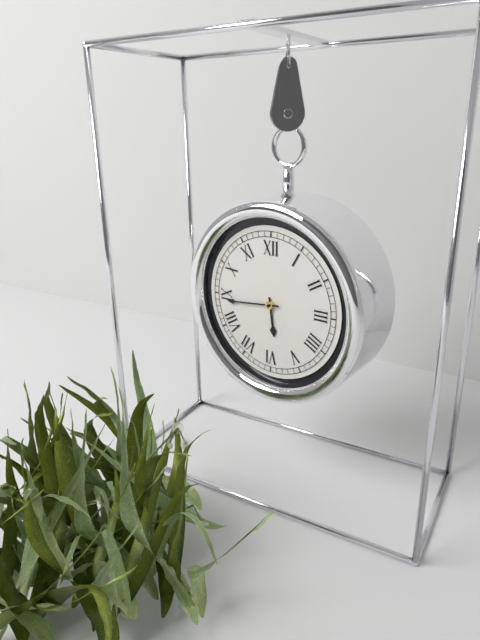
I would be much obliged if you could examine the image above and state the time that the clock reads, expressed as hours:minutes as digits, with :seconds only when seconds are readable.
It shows 5:44
